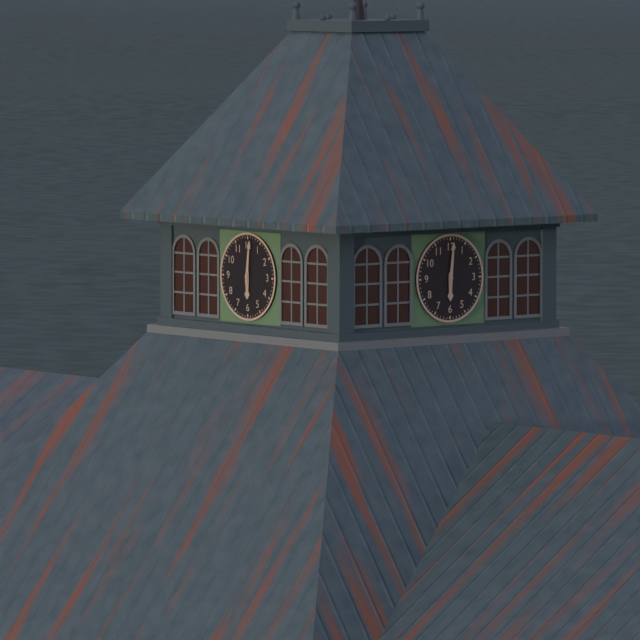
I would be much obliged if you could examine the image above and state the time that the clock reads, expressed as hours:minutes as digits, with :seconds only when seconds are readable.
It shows 6:01
